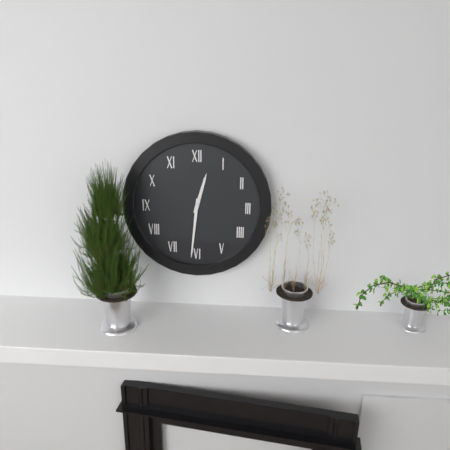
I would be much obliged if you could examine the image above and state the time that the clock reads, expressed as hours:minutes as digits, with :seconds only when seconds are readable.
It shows 12:31
